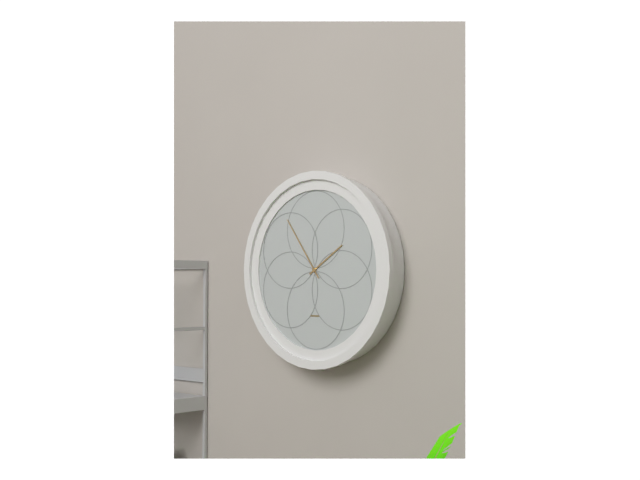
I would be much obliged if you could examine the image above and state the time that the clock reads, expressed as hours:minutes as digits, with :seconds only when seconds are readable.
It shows 1:54
